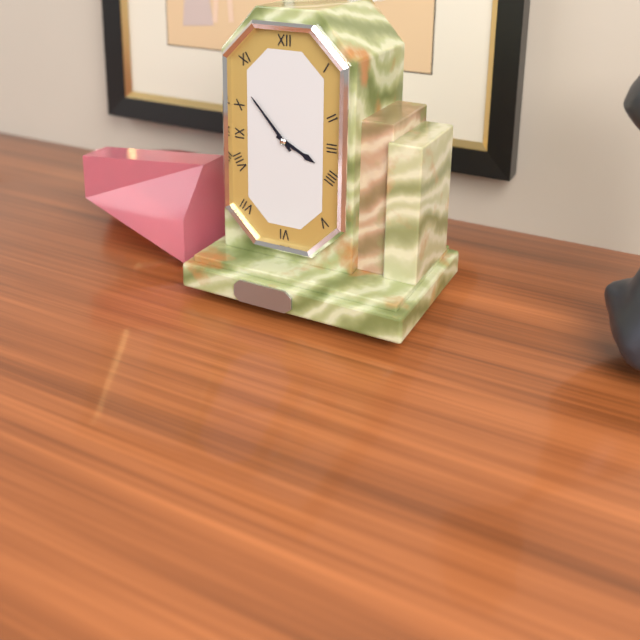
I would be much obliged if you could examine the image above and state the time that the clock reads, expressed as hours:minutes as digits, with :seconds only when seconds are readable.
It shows 3:53
